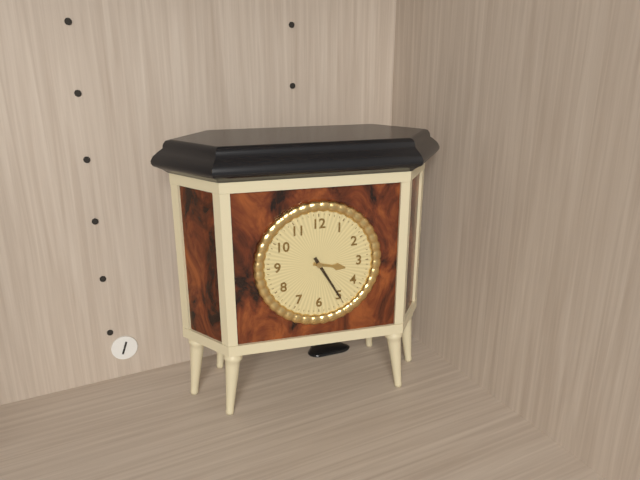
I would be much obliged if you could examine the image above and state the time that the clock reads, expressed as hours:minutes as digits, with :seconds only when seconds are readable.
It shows 3:25
